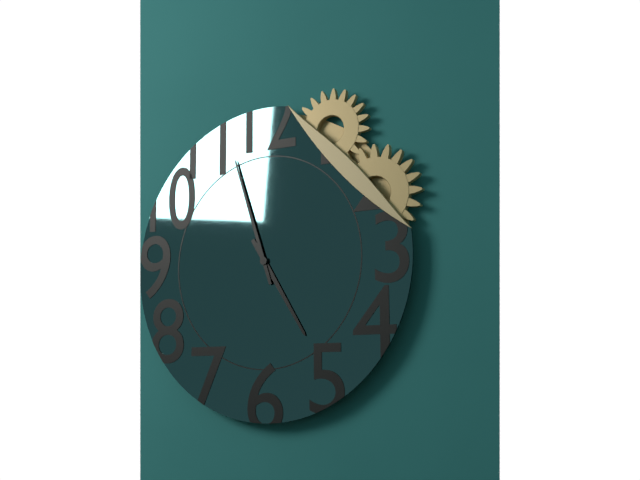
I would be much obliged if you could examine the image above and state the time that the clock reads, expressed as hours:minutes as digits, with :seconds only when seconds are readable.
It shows 4:57
